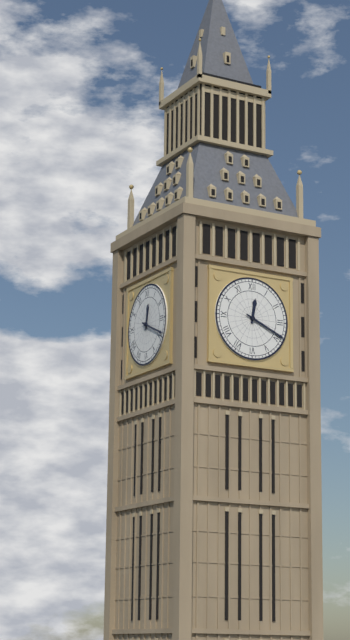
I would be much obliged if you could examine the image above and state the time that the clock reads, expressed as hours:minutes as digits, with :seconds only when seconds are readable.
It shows 12:19
